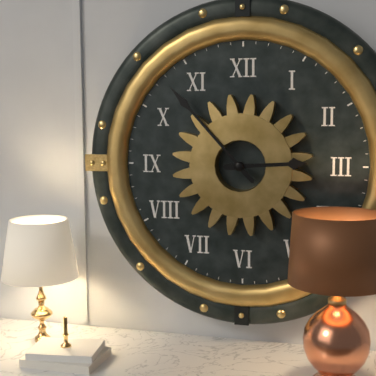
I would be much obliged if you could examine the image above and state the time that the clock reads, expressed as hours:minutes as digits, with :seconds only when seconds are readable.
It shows 2:53
